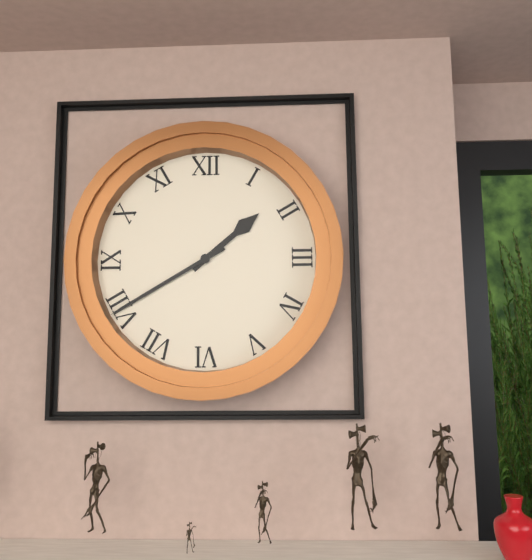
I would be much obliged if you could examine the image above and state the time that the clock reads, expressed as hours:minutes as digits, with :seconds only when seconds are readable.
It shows 1:40
